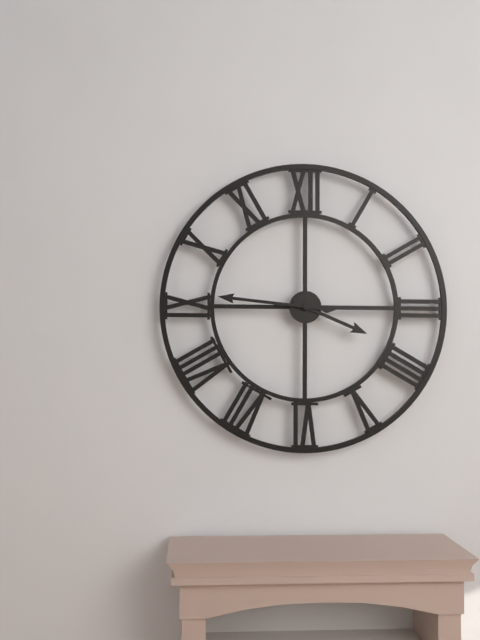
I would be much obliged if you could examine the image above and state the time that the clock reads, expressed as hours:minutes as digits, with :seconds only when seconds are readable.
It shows 3:46
